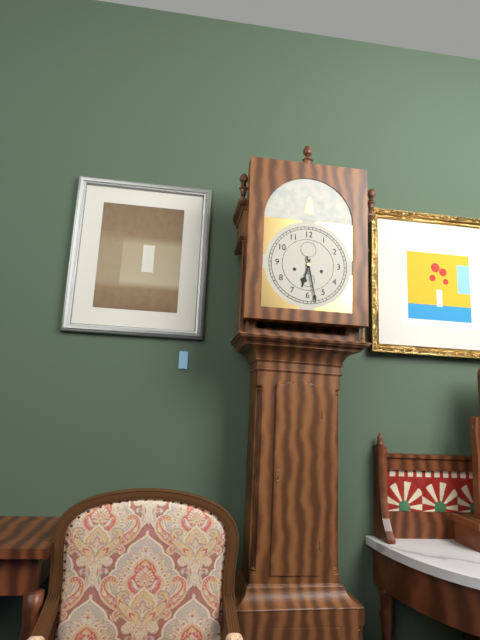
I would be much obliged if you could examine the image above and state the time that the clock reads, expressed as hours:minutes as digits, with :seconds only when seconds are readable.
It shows 6:28
